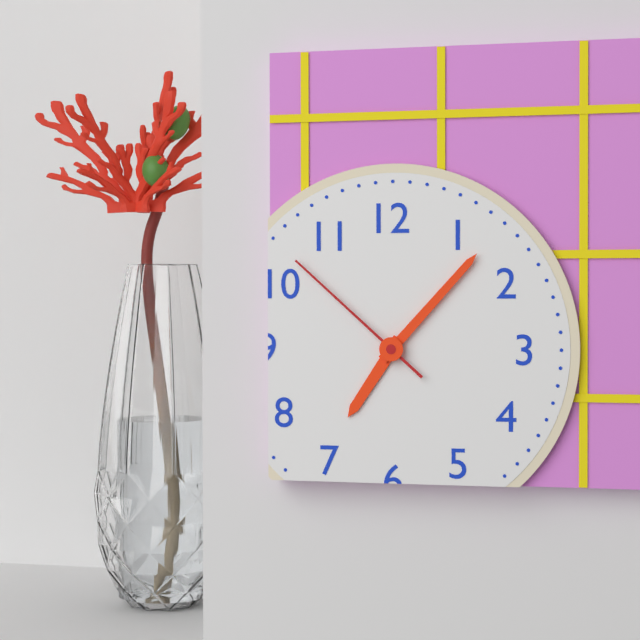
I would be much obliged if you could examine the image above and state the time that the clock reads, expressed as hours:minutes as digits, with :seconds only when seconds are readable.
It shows 7:07:52
